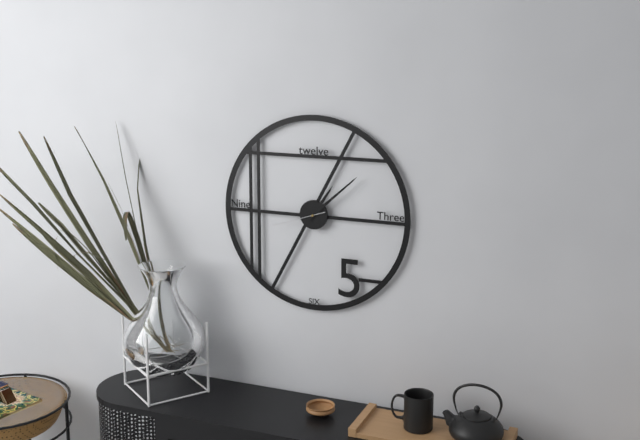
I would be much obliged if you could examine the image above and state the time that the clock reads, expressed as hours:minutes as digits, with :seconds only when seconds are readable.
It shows 1:08:42
